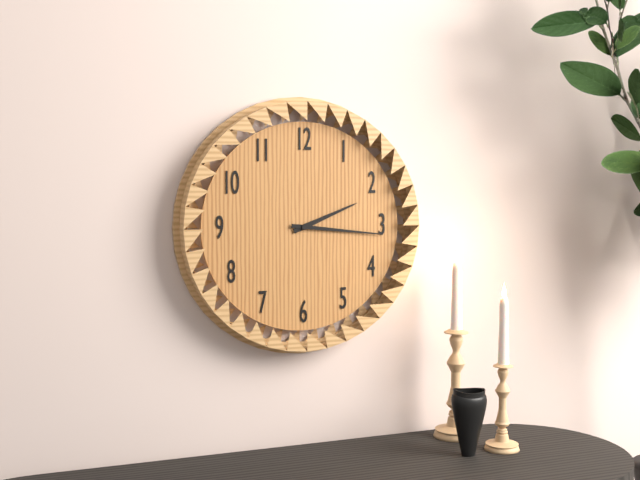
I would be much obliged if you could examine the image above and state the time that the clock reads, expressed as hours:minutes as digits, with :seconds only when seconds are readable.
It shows 2:16
